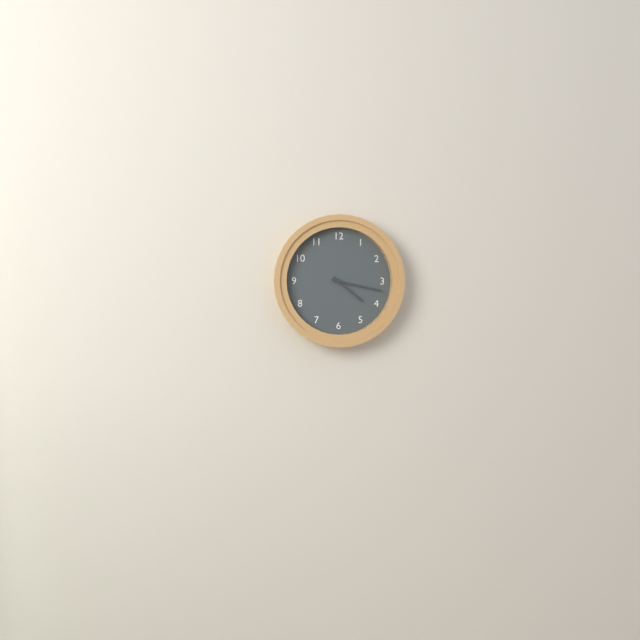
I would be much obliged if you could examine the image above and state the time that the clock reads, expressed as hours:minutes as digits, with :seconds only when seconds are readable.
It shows 4:17
